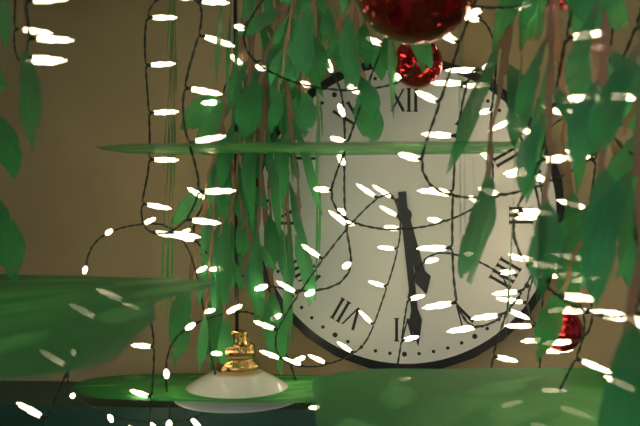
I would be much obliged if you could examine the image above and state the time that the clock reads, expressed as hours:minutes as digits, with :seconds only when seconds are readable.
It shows 5:29
